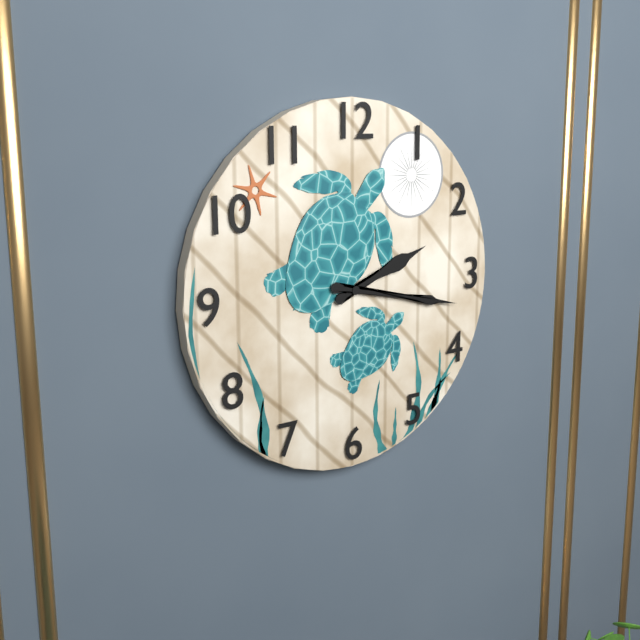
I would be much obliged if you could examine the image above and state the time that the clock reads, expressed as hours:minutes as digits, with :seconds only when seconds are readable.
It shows 2:17
